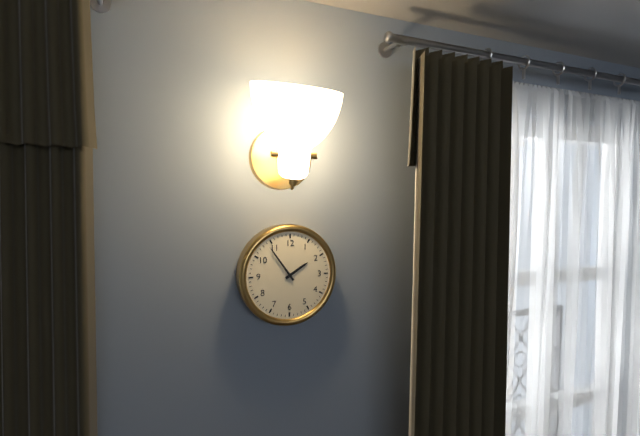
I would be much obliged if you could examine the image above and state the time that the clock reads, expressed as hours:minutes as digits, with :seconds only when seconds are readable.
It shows 1:54
